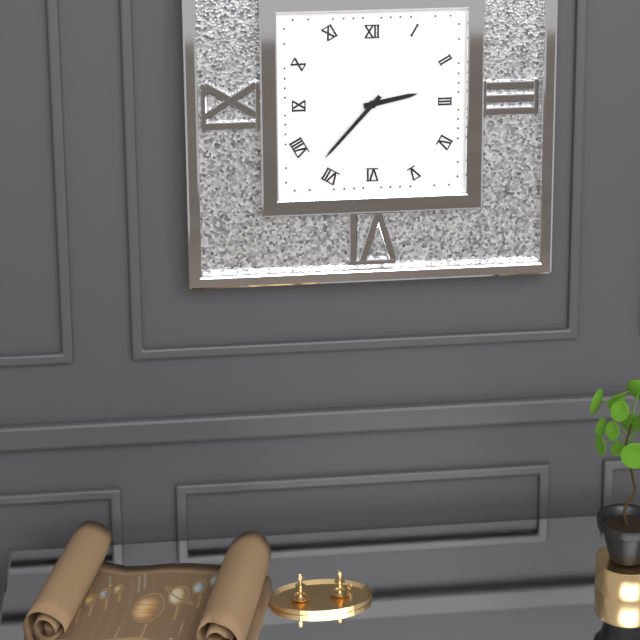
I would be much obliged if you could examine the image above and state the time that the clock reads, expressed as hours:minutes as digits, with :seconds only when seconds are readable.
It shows 2:37
